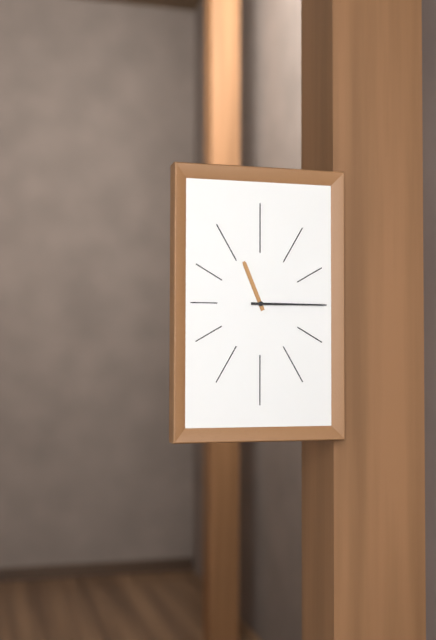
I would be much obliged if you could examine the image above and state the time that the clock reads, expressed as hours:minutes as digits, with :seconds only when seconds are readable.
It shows 11:15
